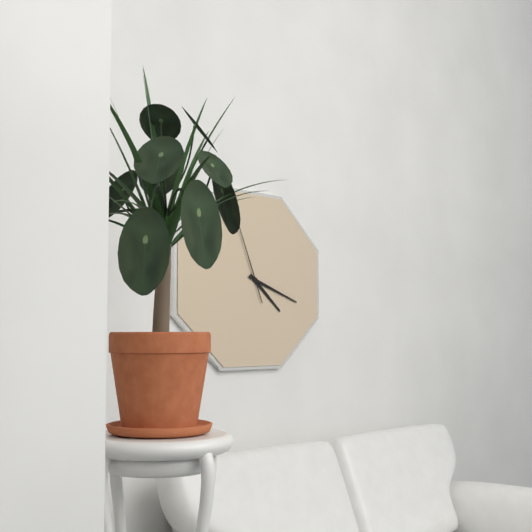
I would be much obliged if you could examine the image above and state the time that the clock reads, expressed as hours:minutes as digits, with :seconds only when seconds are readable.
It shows 4:18:56
